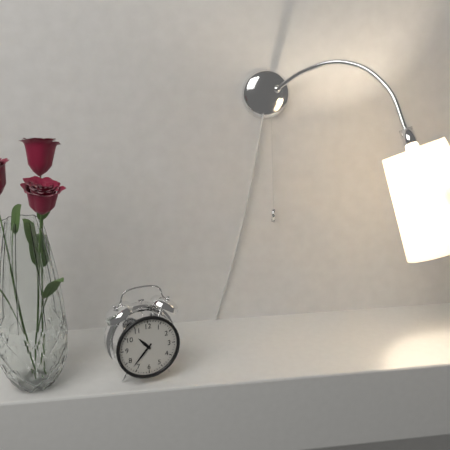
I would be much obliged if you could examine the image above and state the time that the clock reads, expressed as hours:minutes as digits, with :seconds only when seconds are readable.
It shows 10:37
